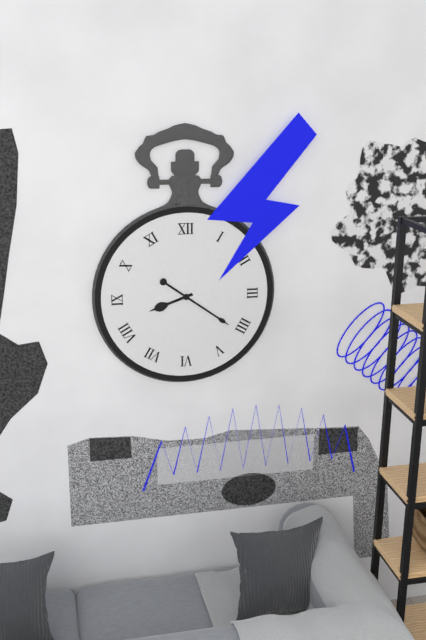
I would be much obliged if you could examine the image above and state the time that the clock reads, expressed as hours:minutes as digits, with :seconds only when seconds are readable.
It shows 8:21
